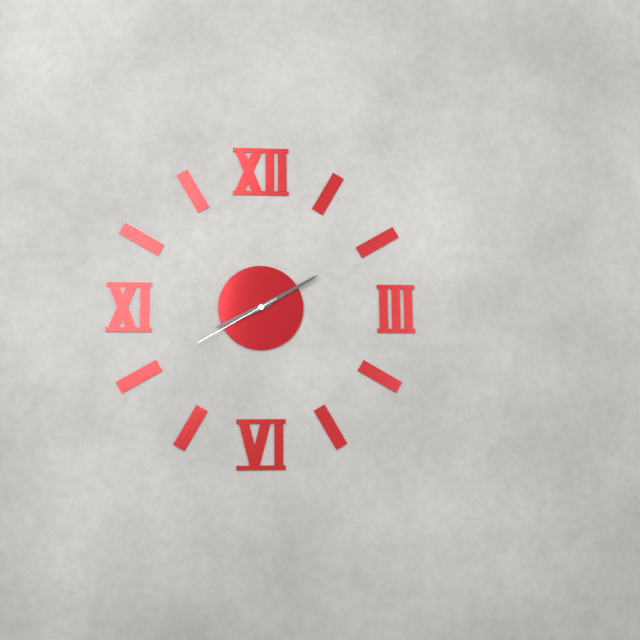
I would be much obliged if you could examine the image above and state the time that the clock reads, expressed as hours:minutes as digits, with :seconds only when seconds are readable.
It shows 8:10:40
